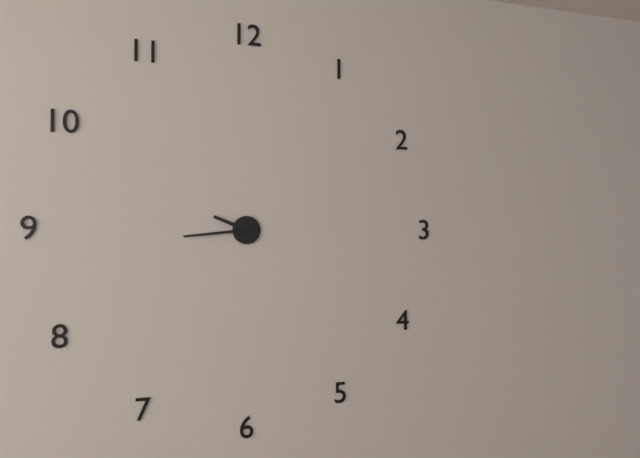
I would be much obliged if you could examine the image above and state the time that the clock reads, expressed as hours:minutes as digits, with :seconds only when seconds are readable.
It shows 9:44
